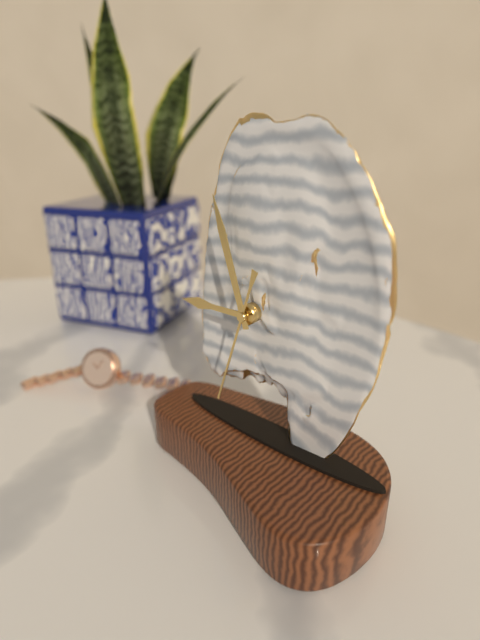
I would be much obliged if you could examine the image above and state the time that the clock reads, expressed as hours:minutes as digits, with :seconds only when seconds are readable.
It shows 8:57:33
